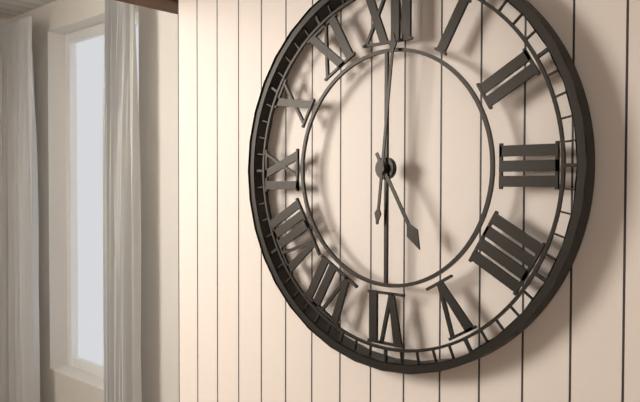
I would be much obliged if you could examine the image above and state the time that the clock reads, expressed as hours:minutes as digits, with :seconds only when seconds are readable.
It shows 5:01
